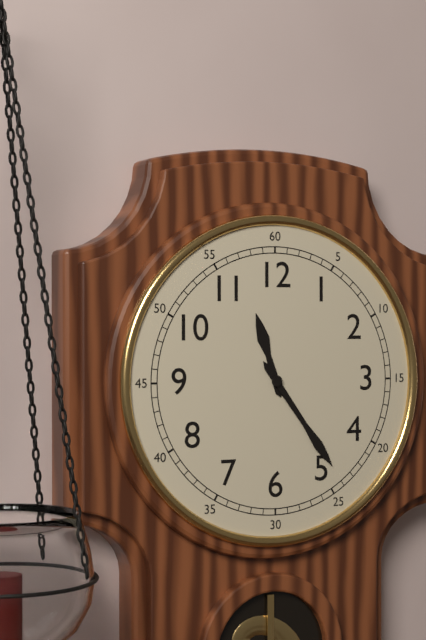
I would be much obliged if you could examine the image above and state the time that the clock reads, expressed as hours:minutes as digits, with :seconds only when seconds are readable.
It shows 11:24
